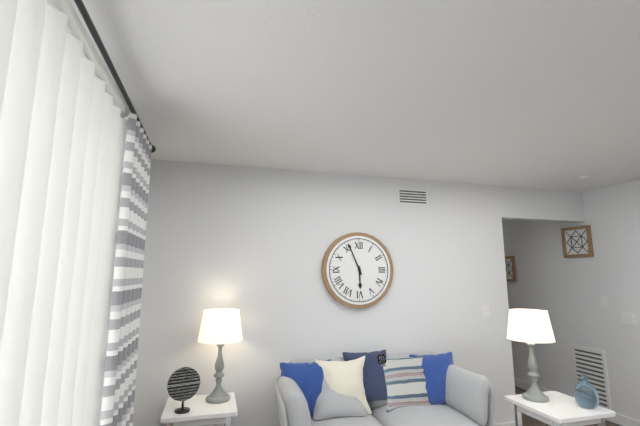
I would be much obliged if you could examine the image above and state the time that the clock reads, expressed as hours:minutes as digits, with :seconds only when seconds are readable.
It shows 5:56
